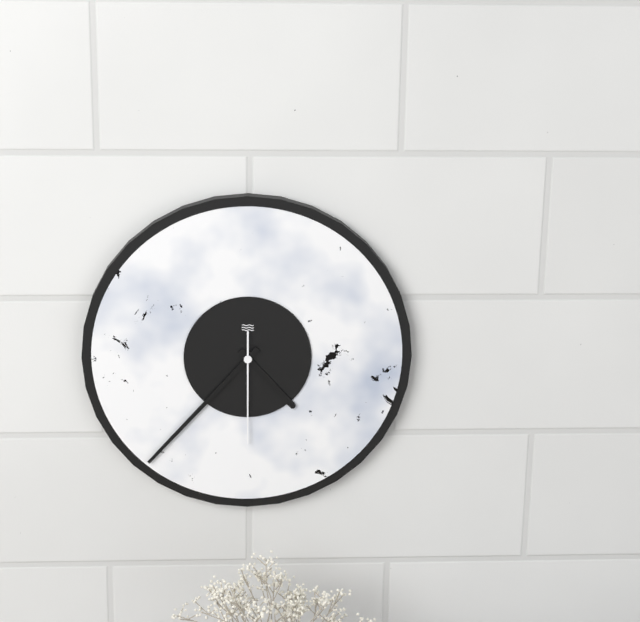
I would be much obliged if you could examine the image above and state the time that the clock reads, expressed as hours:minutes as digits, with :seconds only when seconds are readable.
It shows 4:37:30
